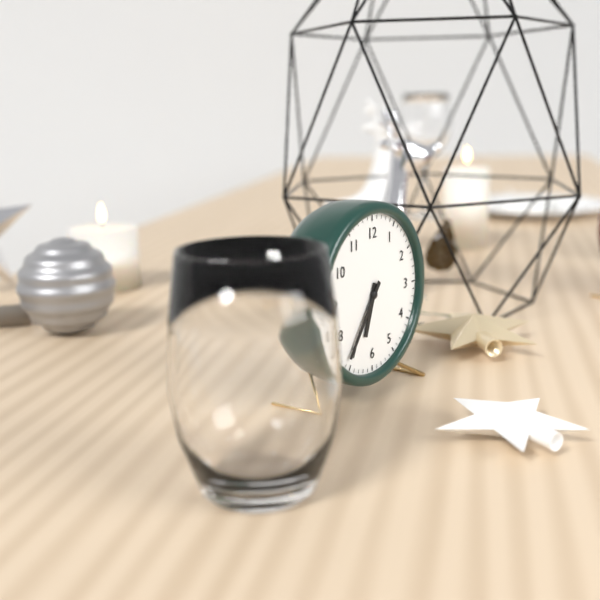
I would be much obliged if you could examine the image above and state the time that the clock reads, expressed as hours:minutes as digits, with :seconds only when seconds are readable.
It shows 6:36
